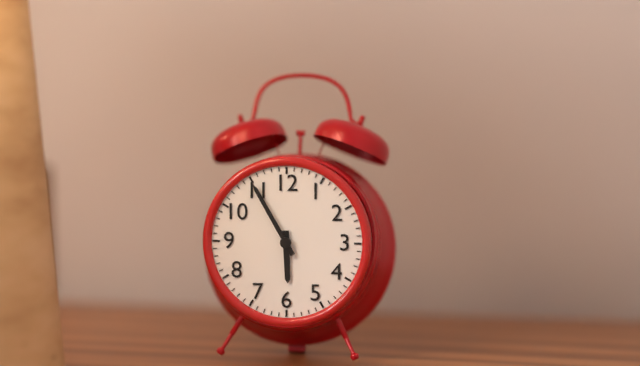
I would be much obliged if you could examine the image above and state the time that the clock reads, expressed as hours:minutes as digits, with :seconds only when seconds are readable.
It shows 5:55
